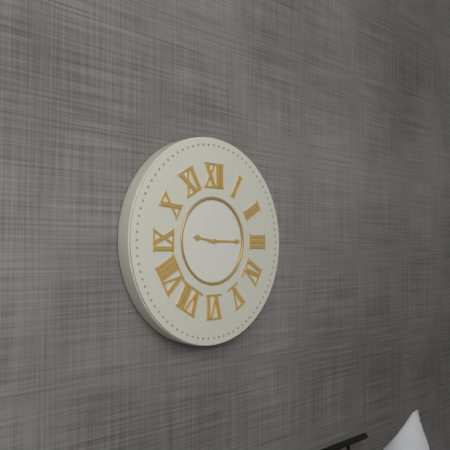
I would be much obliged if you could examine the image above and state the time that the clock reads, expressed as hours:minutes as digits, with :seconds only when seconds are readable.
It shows 9:15
